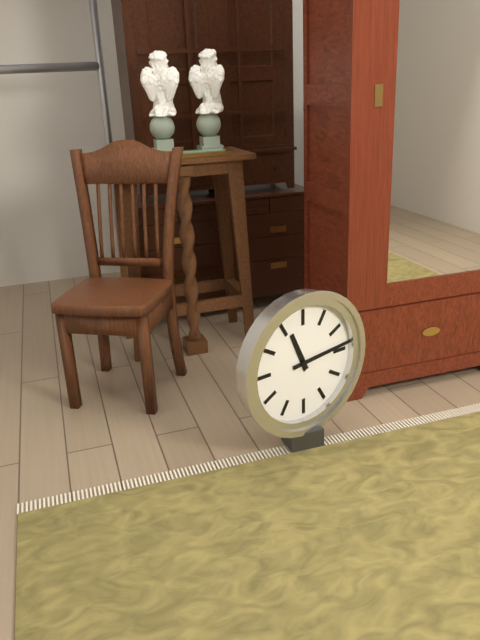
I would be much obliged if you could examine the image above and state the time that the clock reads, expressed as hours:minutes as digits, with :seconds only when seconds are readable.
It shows 11:14
